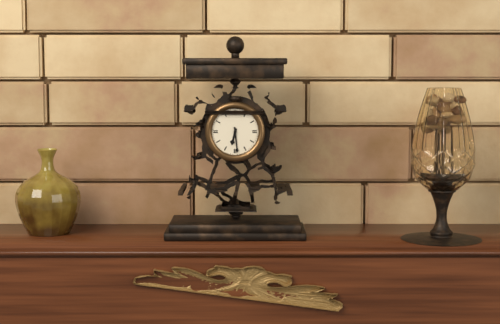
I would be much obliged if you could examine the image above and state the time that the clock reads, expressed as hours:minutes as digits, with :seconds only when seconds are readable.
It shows 6:29
